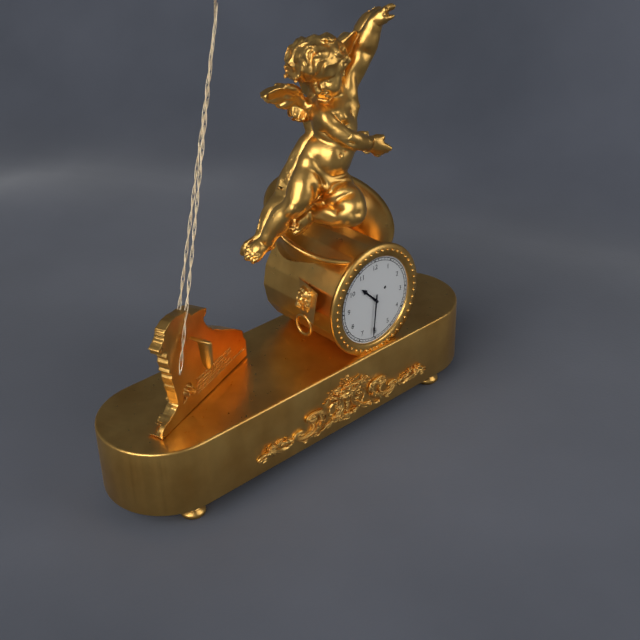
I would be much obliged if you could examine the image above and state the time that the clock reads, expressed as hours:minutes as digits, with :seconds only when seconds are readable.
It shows 10:31
